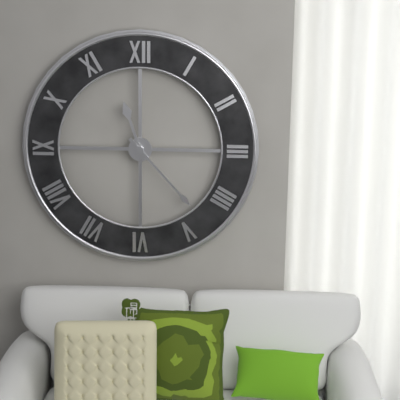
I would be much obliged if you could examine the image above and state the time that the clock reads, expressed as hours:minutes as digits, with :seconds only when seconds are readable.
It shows 11:23
